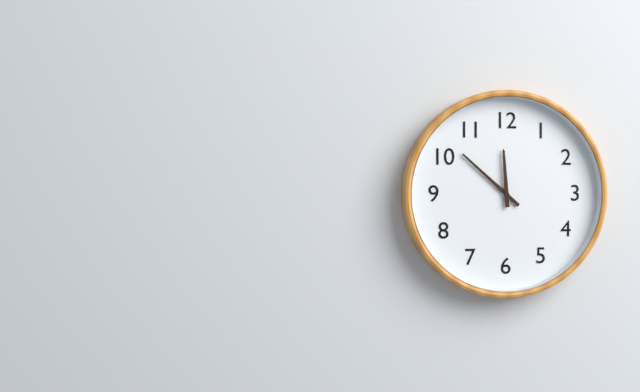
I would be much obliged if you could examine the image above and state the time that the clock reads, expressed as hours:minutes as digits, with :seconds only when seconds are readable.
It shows 11:52
